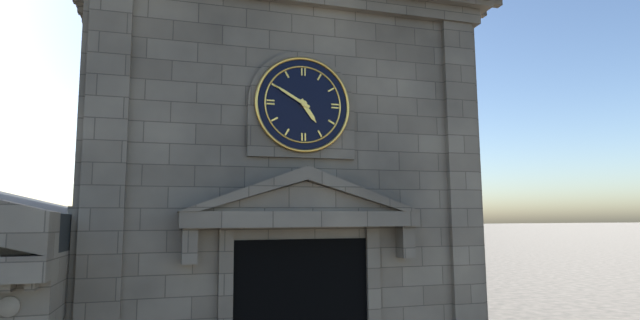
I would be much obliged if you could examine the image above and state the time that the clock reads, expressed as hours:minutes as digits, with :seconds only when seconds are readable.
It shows 4:50
